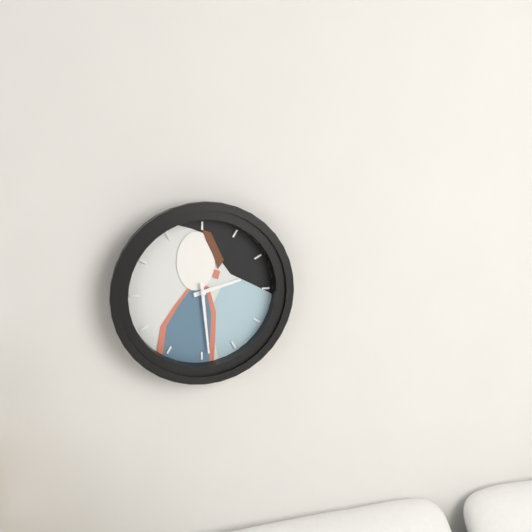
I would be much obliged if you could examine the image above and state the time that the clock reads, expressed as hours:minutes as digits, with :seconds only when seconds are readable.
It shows 2:29
